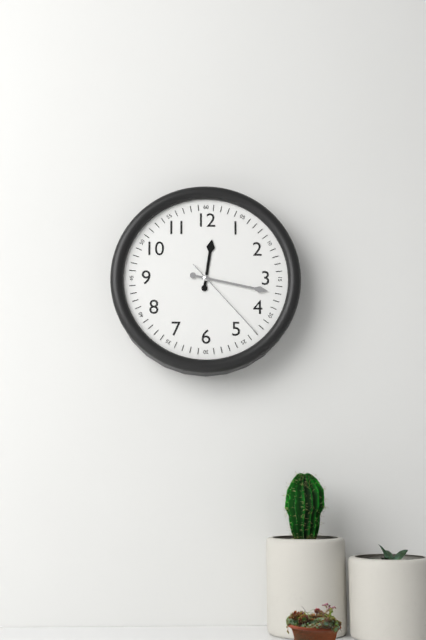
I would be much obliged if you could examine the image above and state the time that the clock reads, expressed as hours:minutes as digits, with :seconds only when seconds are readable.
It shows 12:17:23
